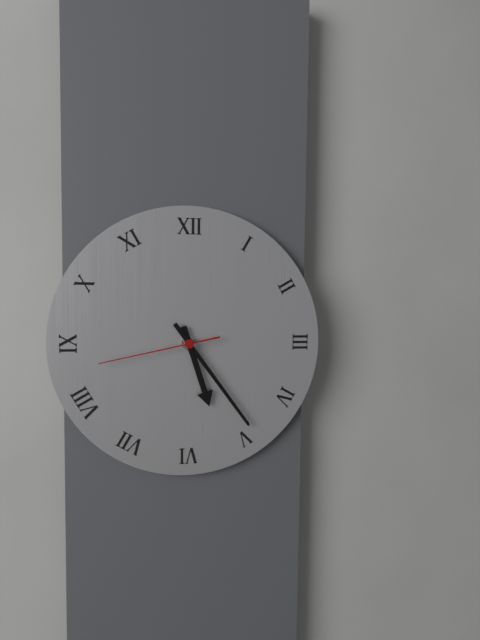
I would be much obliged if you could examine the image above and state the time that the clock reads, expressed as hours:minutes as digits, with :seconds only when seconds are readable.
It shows 5:24:43
